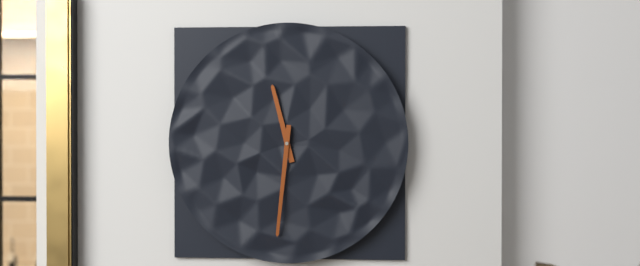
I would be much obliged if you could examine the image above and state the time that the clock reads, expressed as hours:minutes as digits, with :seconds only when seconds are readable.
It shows 11:31
